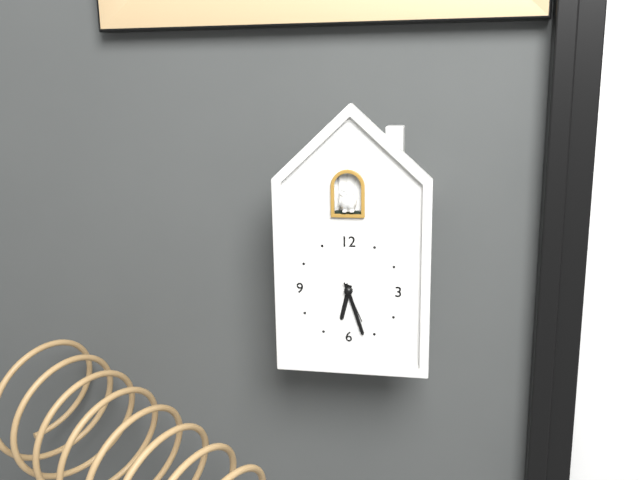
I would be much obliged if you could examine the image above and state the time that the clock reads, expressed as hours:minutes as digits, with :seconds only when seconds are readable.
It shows 6:27:26
